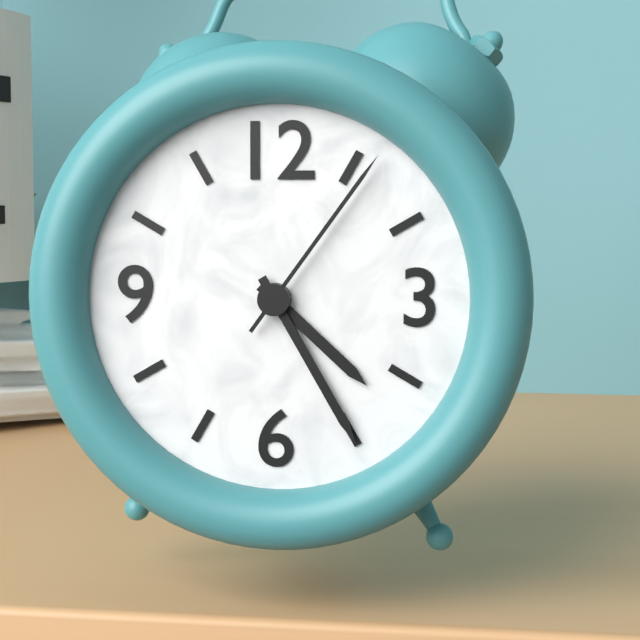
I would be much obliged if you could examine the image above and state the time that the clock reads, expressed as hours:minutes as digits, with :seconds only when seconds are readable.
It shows 4:25:06
